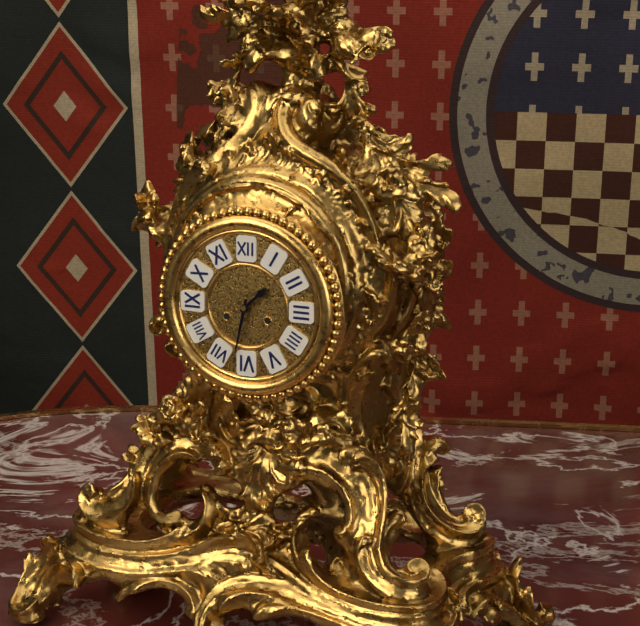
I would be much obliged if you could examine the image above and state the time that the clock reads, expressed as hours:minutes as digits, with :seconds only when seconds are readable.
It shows 1:32
